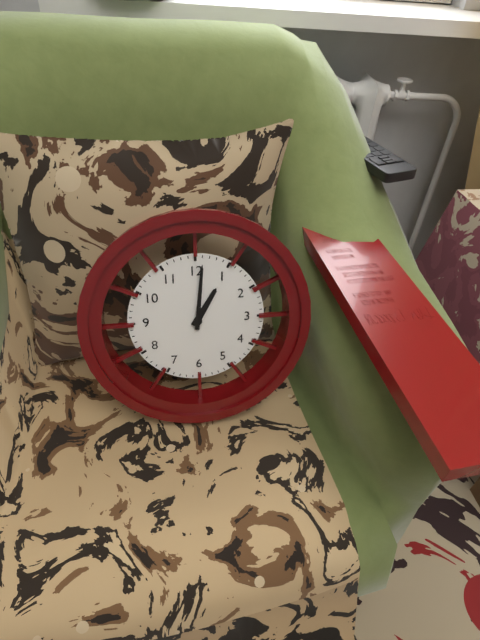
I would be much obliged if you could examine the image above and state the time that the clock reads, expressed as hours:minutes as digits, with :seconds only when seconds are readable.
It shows 1:01
